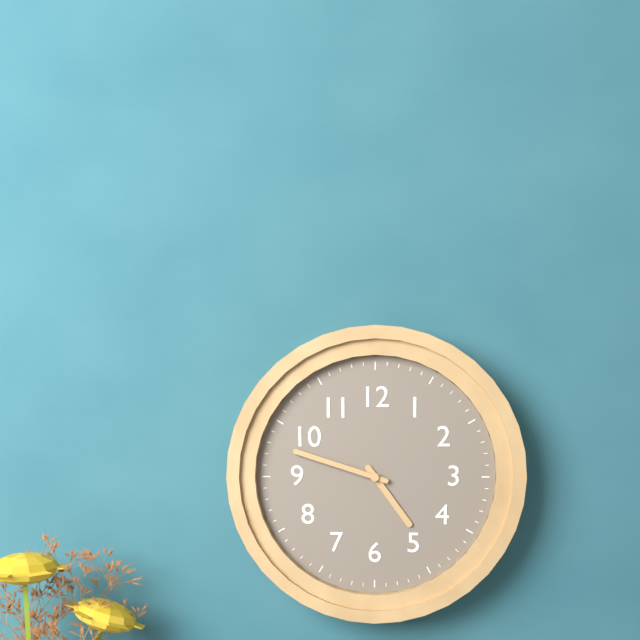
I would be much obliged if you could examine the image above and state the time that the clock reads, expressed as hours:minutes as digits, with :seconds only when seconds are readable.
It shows 4:48
